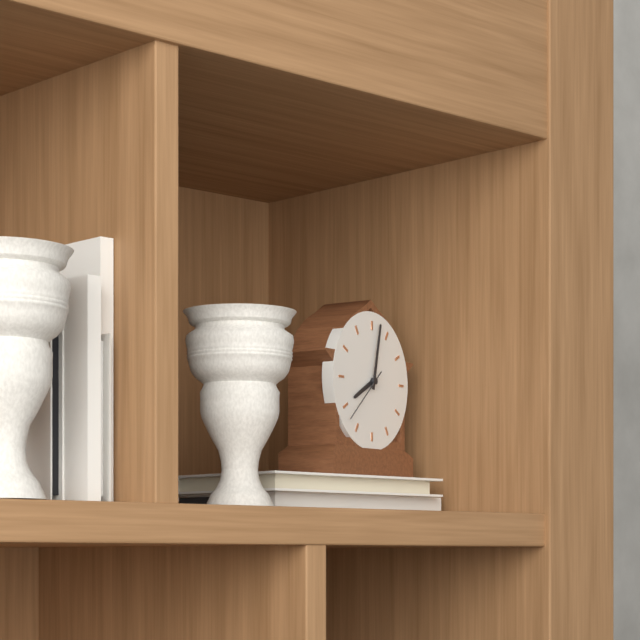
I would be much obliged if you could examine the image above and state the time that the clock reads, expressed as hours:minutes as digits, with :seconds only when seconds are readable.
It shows 8:02:38
